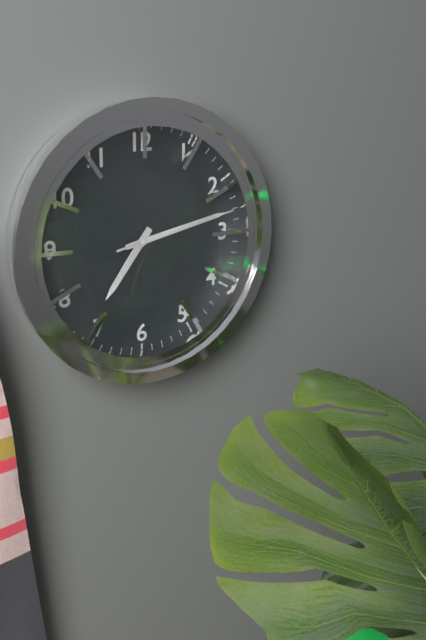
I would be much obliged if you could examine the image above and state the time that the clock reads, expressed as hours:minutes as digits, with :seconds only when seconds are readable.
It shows 7:13:13
